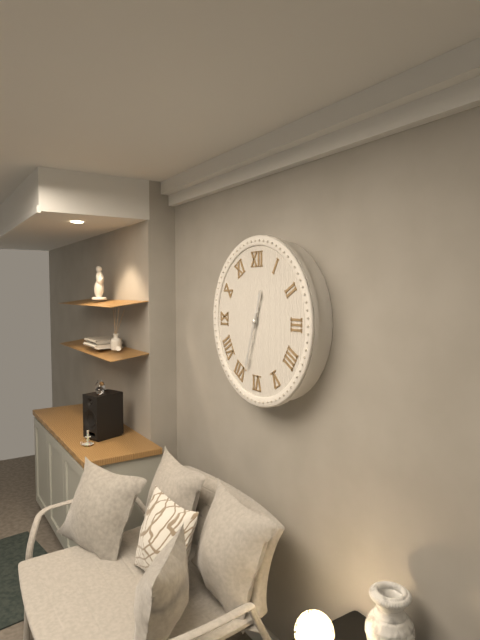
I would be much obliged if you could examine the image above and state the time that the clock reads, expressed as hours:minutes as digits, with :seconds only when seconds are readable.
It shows 12:33
